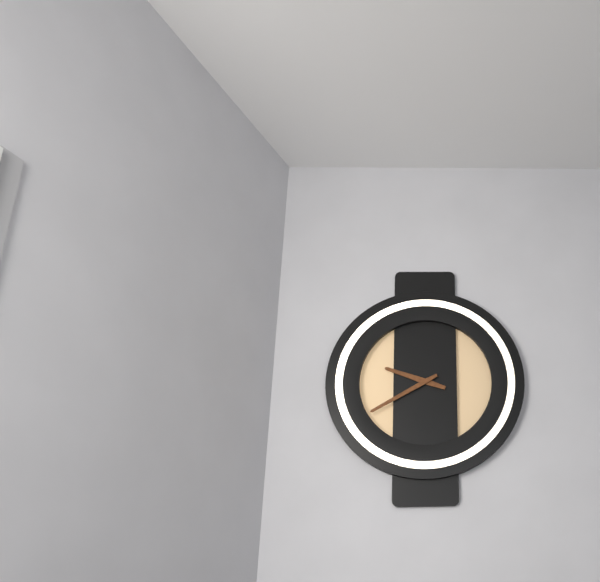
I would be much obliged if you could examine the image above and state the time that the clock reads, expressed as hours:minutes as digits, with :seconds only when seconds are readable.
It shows 9:40
